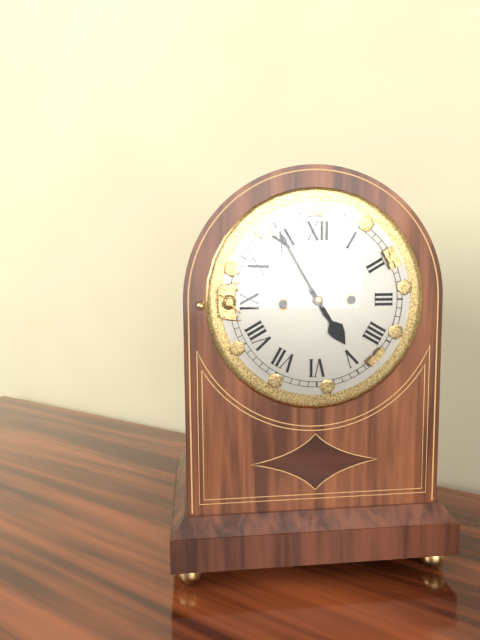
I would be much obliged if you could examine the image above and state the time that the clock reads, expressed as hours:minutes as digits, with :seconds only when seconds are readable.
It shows 4:55
